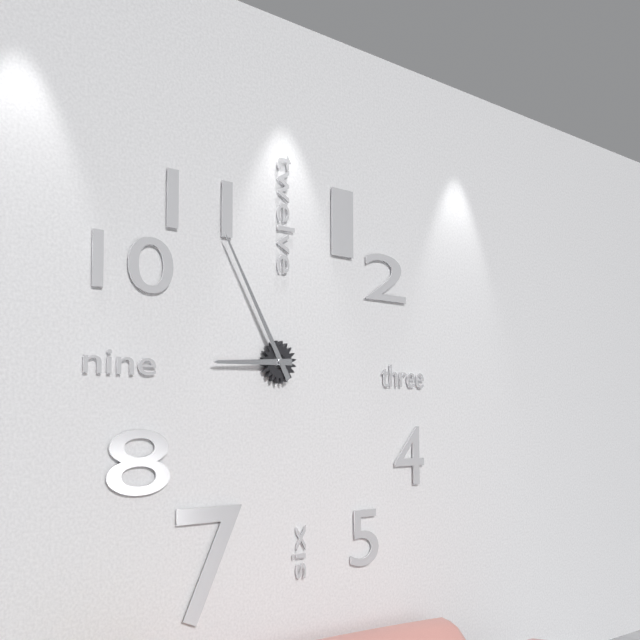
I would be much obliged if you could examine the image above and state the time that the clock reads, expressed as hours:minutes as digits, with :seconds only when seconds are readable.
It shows 8:55
